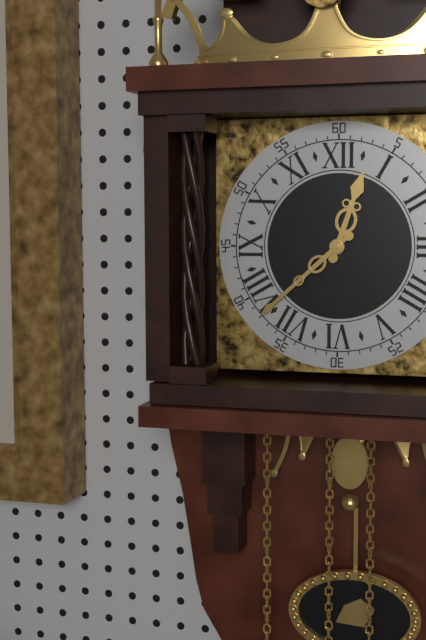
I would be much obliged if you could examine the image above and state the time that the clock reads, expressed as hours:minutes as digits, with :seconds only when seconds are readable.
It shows 12:38
